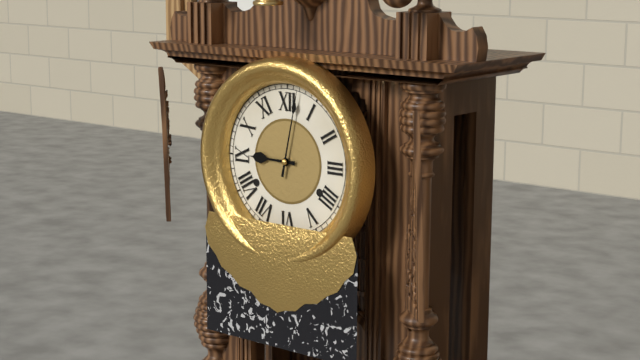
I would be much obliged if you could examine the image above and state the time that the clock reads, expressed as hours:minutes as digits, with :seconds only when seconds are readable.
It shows 9:02
